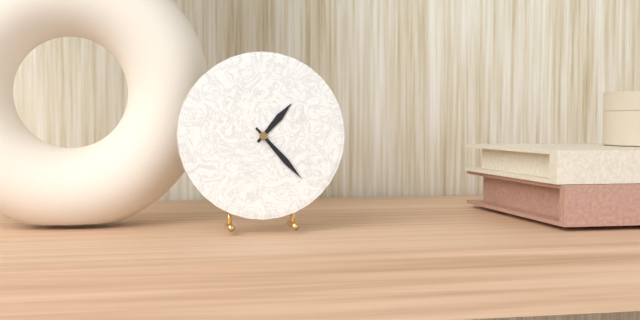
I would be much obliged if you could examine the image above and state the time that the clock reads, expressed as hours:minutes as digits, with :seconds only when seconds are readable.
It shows 1:23
